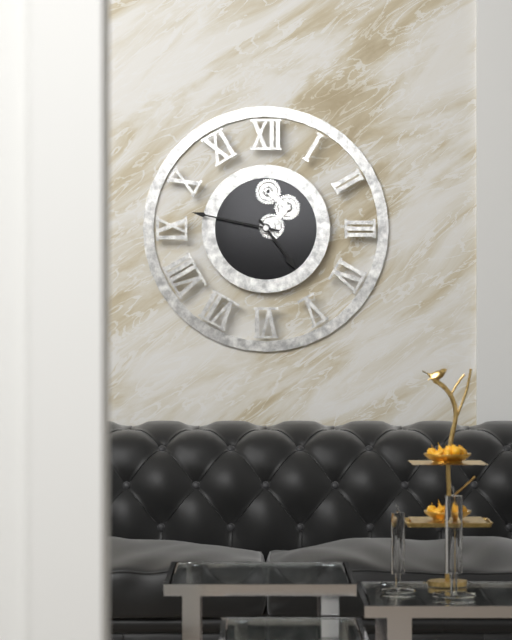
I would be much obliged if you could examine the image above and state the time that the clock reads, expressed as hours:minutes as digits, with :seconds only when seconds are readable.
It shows 4:47
